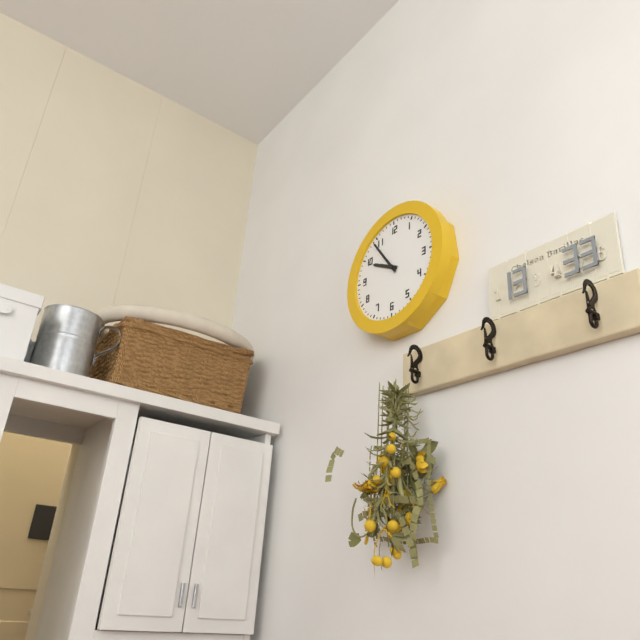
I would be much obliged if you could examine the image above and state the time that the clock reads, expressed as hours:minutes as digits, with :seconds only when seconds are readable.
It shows 9:54
